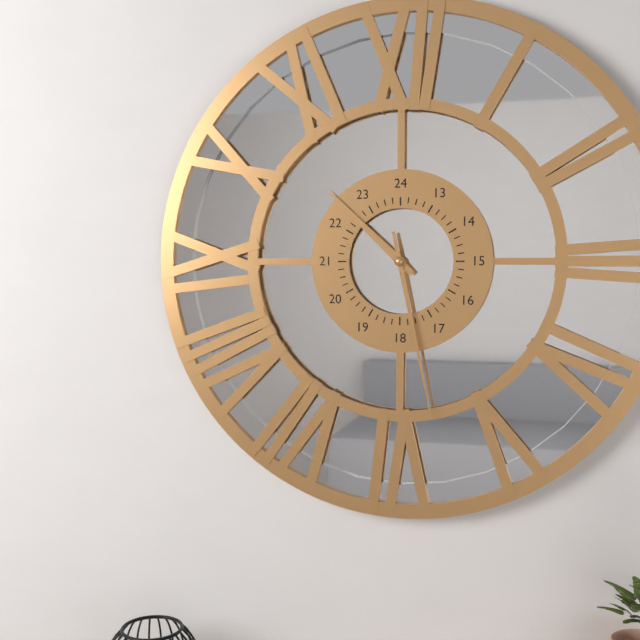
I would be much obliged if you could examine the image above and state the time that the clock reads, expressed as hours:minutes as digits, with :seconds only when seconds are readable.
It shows 10:28
